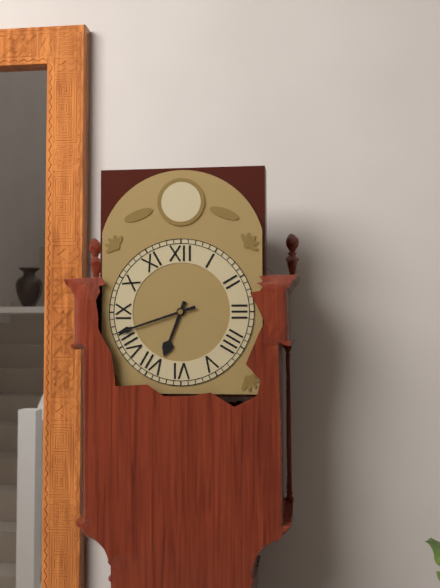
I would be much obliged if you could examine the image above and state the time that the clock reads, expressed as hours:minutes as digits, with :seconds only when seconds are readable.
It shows 6:42
